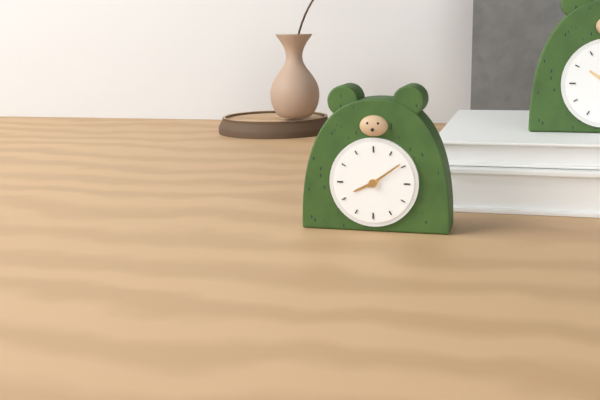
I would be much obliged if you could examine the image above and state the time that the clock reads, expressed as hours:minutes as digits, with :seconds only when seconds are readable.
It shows 8:09
